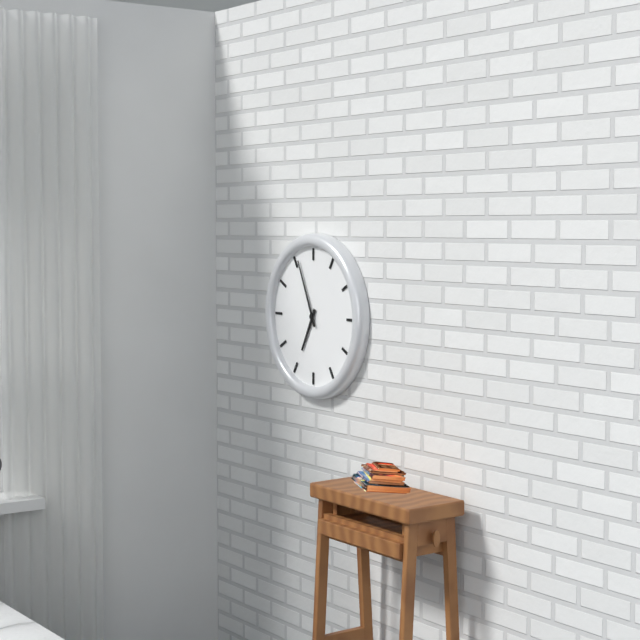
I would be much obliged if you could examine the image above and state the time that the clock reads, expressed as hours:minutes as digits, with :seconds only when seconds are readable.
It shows 6:56
